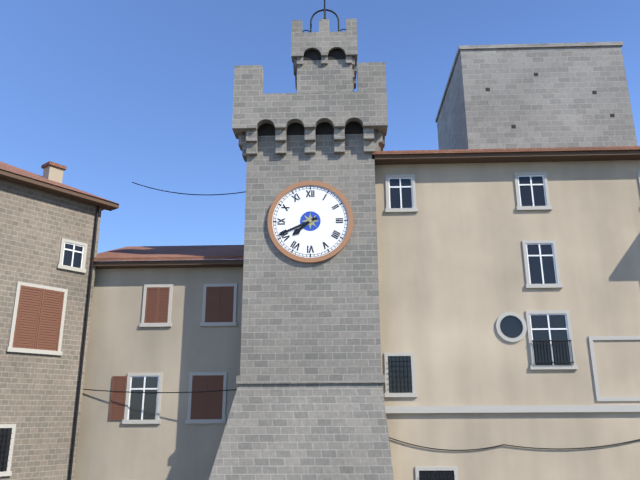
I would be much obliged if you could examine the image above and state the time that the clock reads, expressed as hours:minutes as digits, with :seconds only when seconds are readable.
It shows 7:41
